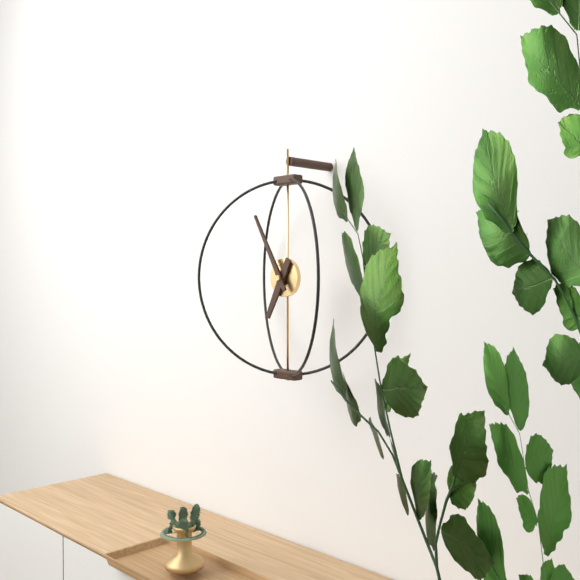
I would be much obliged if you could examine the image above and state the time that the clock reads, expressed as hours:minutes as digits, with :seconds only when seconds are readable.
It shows 6:55
